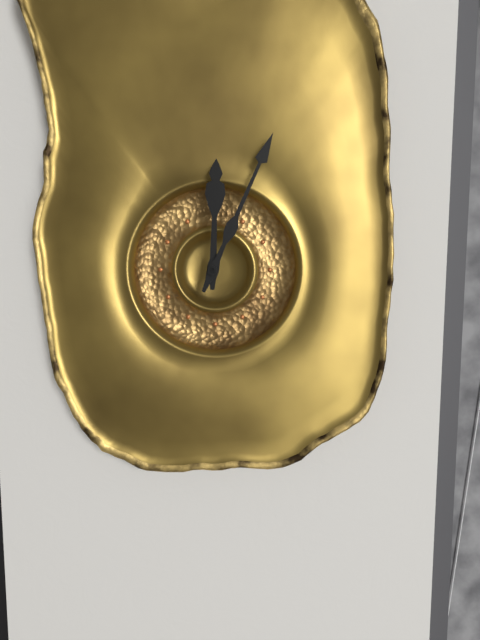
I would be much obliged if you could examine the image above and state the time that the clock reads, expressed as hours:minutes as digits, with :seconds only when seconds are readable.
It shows 12:04
